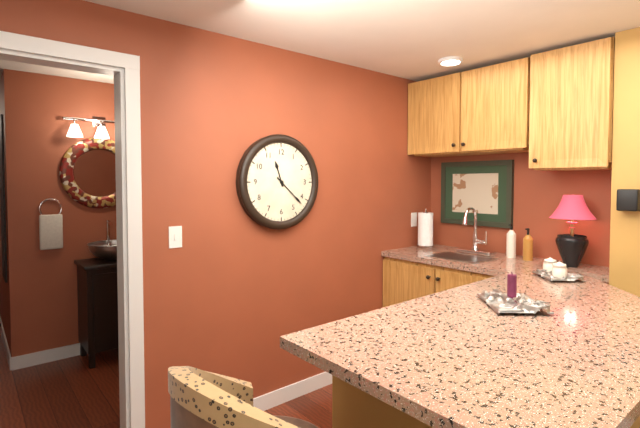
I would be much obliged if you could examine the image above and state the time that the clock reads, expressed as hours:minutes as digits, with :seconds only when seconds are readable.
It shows 11:22
